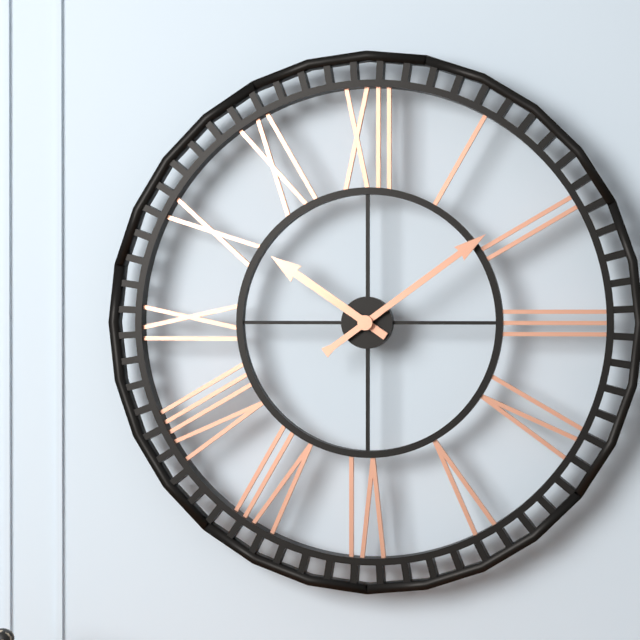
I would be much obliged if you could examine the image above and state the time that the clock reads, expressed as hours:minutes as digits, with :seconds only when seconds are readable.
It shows 10:09
